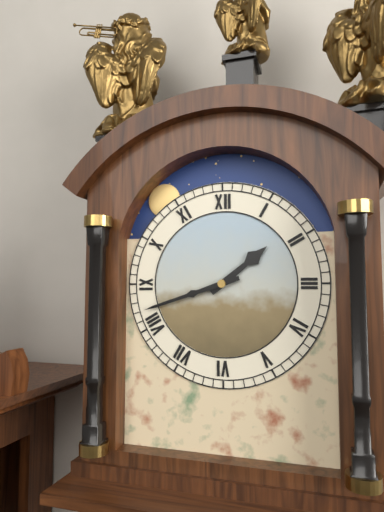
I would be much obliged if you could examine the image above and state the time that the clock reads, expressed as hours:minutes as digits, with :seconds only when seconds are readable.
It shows 1:42
